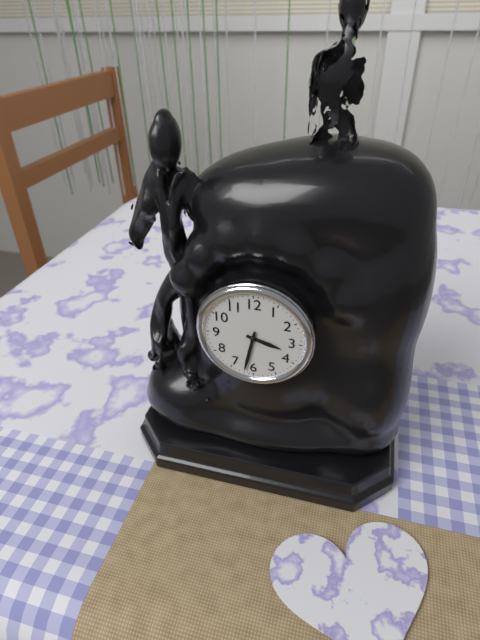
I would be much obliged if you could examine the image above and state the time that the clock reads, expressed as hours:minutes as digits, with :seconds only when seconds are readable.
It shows 3:32
